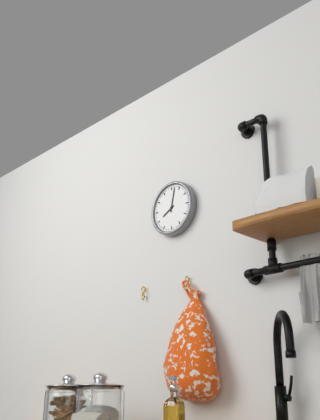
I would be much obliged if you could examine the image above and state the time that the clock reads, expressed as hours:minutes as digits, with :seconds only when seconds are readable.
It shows 8:02
